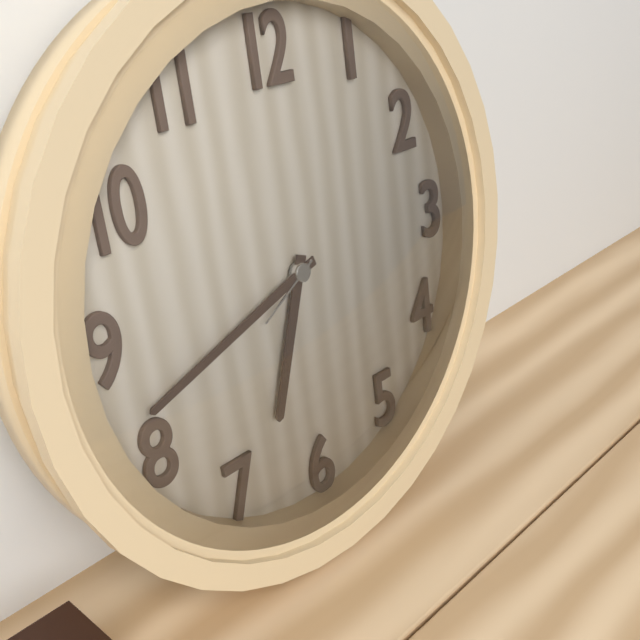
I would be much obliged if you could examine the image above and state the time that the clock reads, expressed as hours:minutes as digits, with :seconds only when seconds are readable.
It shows 6:42:40
